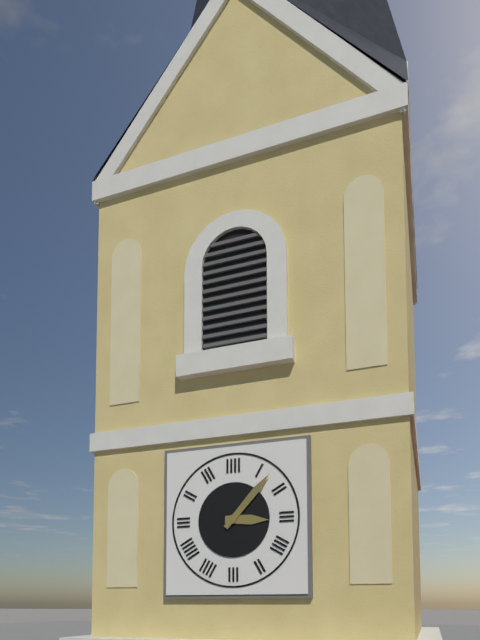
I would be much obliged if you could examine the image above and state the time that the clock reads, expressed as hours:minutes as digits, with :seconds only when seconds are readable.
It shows 3:07
